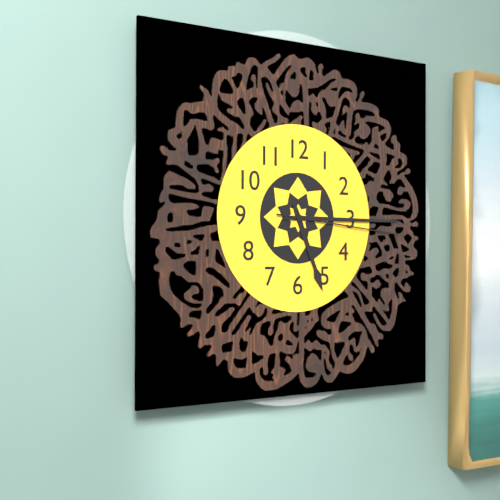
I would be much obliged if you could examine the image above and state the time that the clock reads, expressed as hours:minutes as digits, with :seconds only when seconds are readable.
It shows 5:15:16
